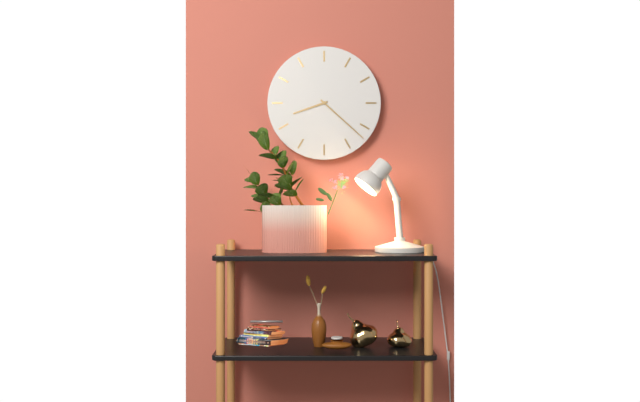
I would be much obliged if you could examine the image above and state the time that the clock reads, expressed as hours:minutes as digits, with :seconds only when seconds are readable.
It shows 8:22
